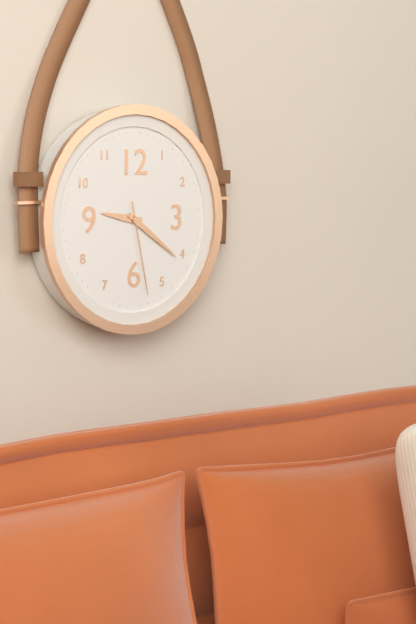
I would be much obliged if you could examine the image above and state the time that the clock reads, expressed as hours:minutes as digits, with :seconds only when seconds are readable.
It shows 9:21:28
